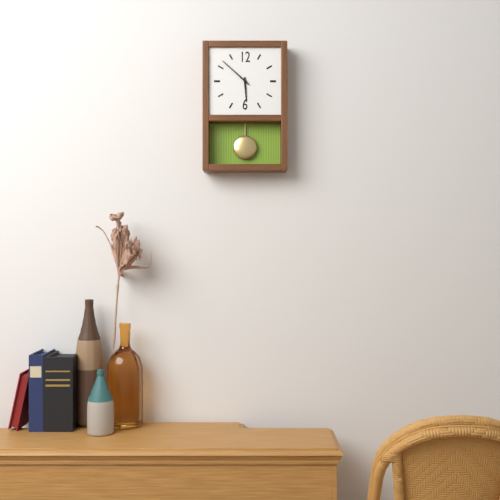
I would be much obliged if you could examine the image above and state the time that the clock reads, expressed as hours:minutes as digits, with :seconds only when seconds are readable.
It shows 5:52
